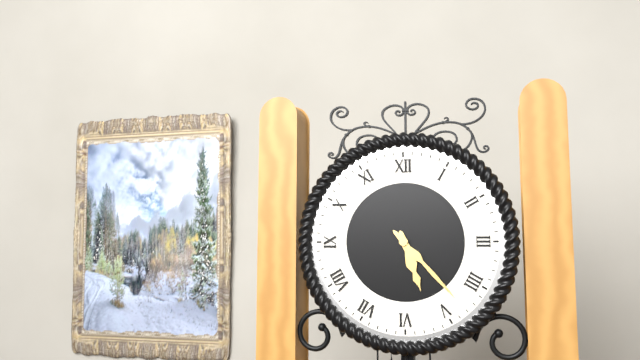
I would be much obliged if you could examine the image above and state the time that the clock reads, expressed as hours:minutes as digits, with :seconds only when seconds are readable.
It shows 5:23
